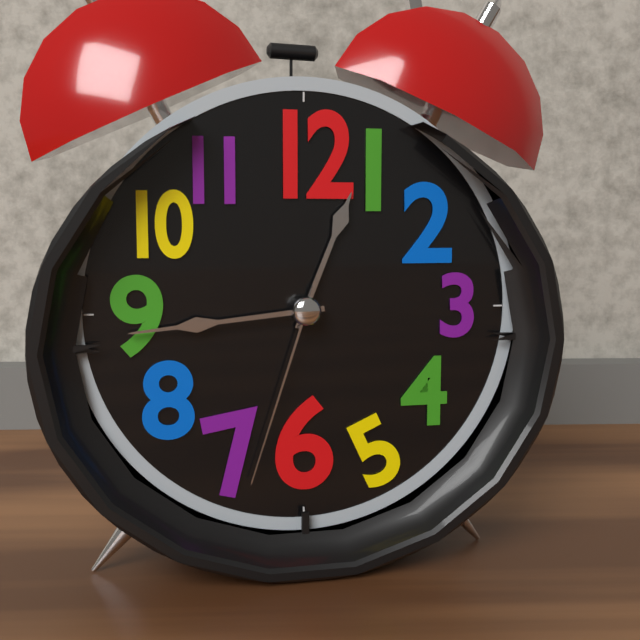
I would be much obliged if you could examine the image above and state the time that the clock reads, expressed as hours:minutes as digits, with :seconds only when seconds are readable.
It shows 12:44:33
